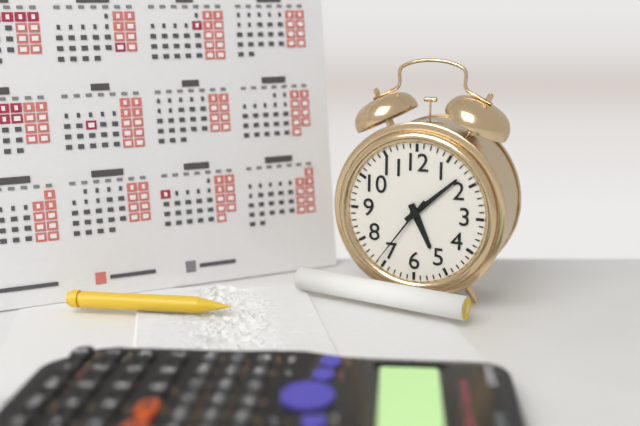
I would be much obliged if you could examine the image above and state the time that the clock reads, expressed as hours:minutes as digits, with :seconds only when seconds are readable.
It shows 5:08:36
